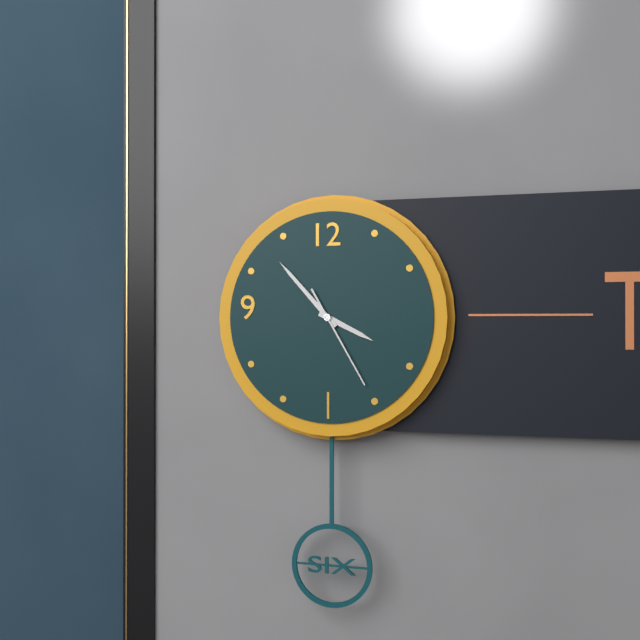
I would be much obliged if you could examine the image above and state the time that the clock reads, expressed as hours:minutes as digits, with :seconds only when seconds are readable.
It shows 3:53:25
